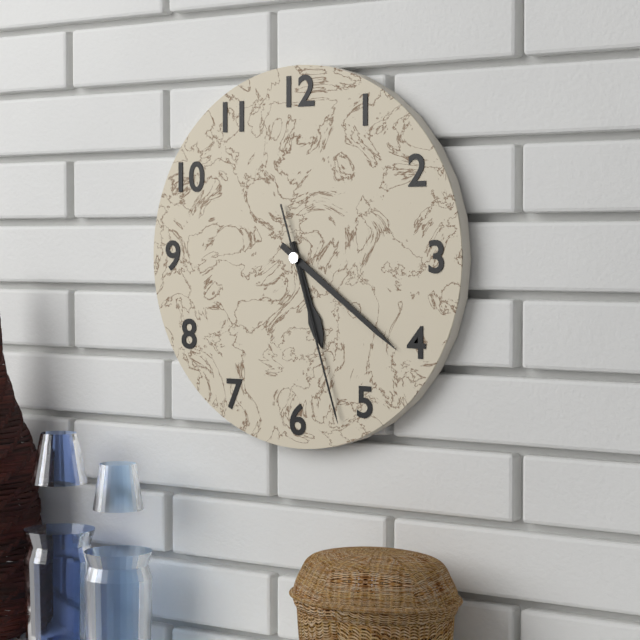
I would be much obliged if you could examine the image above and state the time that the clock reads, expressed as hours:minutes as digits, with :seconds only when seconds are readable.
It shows 5:21:27
